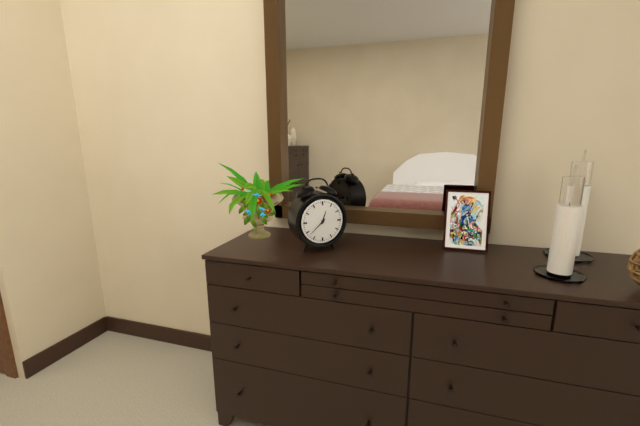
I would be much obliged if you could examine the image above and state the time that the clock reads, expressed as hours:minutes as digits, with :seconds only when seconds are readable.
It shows 12:38
